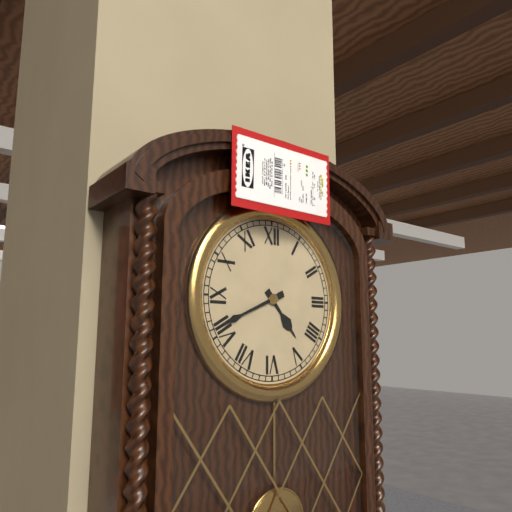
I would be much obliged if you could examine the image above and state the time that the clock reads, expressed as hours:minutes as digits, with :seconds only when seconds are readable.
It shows 4:41
